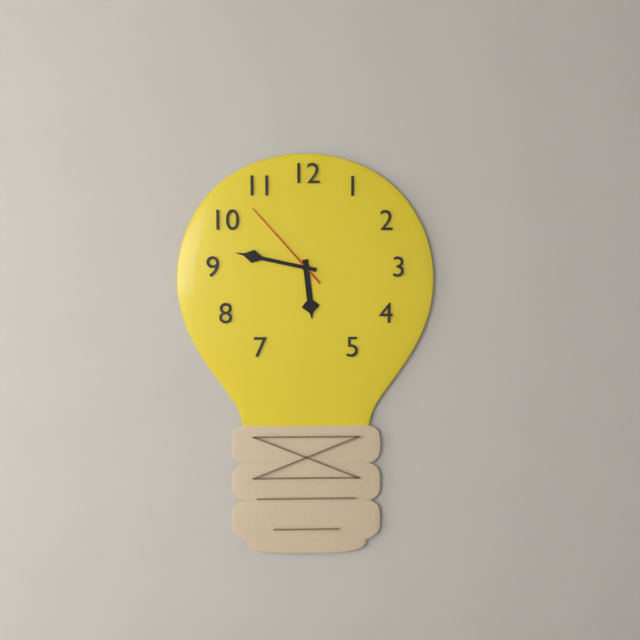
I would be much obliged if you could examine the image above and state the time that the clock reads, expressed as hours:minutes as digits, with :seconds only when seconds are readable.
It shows 5:47:53
